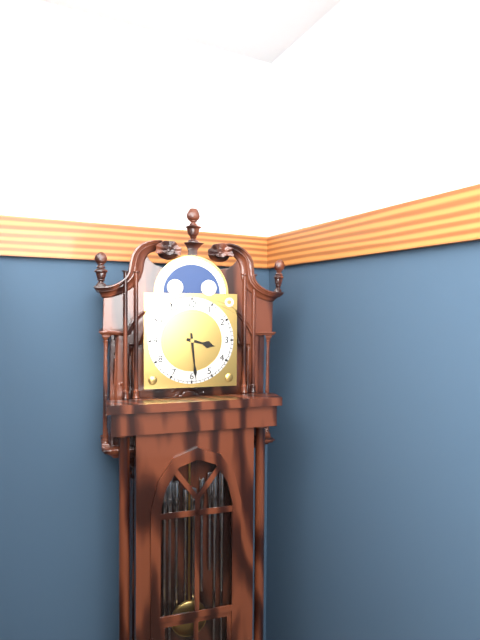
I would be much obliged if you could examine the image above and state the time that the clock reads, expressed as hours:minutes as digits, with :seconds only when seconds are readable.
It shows 3:29
